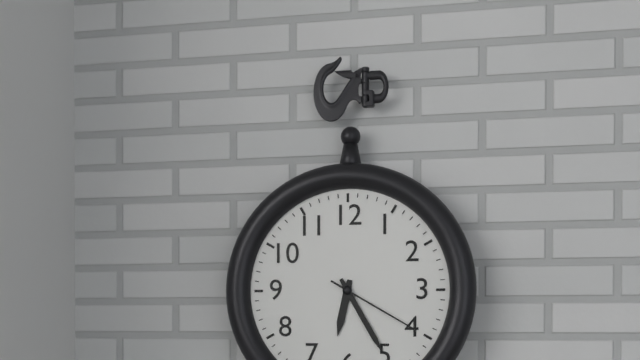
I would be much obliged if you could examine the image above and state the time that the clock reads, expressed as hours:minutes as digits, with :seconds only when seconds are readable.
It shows 6:25:20
